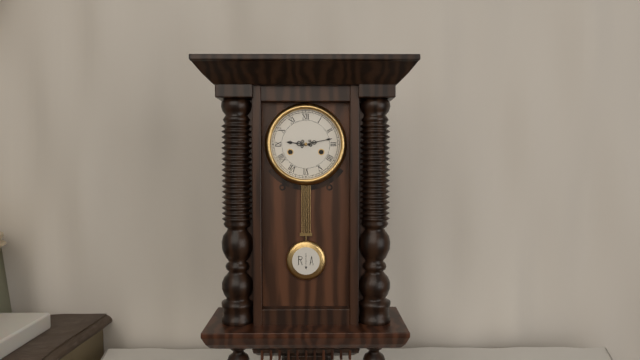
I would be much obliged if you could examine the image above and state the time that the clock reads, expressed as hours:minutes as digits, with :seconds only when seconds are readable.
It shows 9:13
